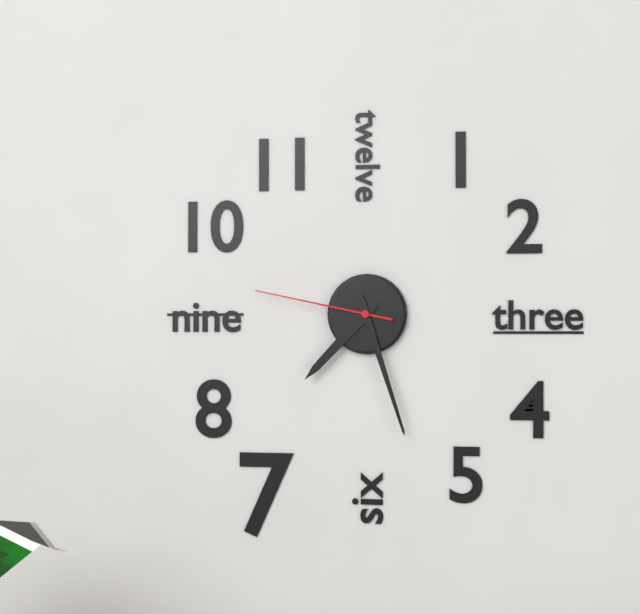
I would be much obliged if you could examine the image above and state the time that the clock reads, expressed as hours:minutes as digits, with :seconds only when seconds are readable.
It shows 7:27:47
